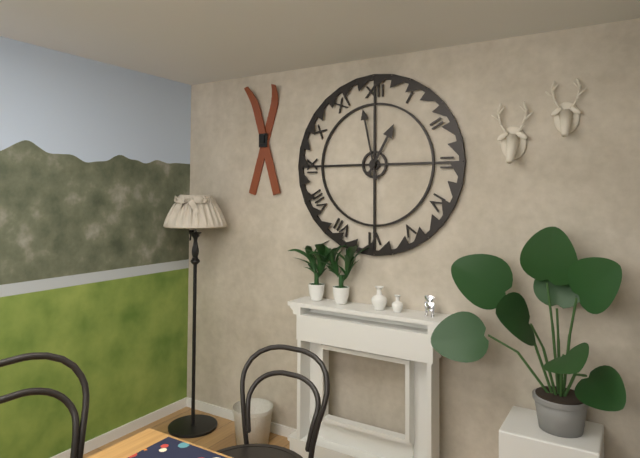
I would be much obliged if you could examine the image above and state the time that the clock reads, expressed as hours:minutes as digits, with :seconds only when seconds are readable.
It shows 12:58
